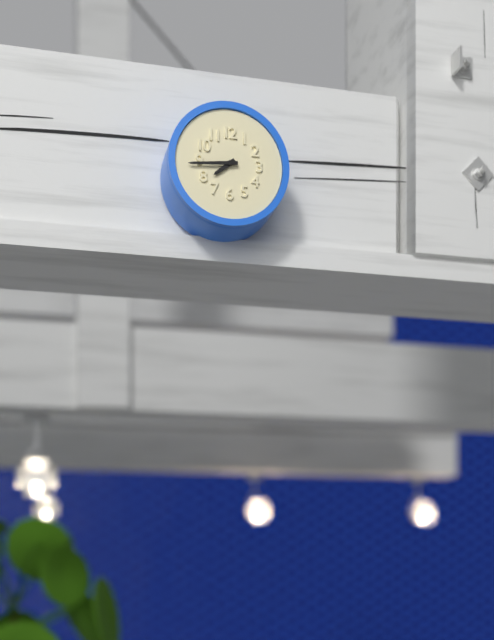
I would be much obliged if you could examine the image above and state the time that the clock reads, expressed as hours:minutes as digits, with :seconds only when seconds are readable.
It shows 7:44
